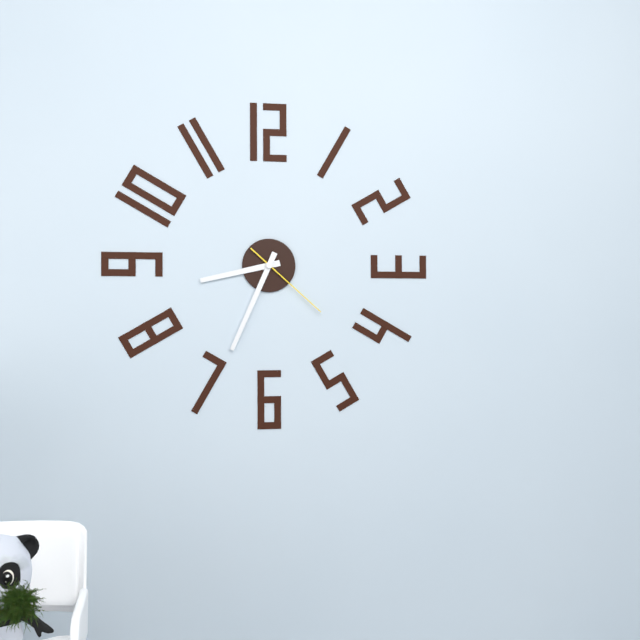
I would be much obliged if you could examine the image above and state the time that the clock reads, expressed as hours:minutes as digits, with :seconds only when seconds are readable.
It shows 8:34:22
